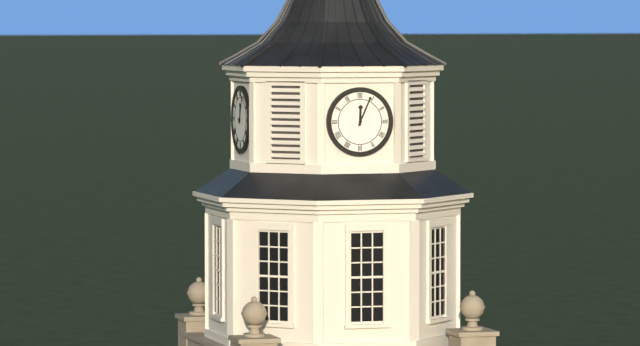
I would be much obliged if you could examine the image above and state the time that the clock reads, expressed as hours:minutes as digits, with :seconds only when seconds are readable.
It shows 12:04
